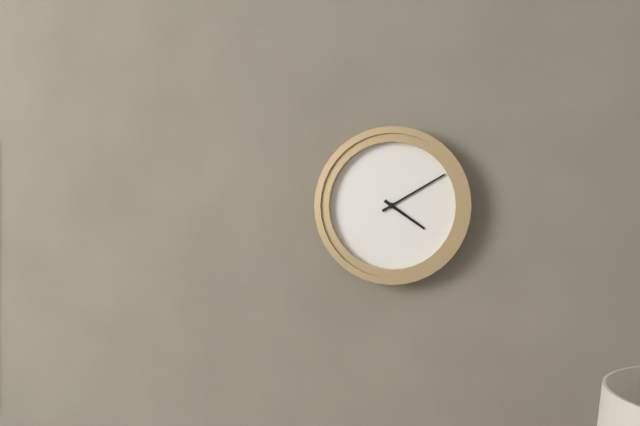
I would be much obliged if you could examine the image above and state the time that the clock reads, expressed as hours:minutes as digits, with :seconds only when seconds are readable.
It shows 4:10
